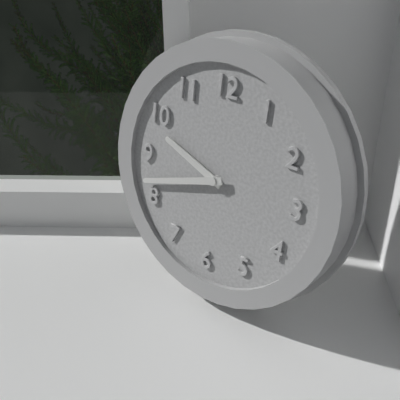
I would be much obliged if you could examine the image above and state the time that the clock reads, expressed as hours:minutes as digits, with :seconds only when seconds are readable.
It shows 9:42
